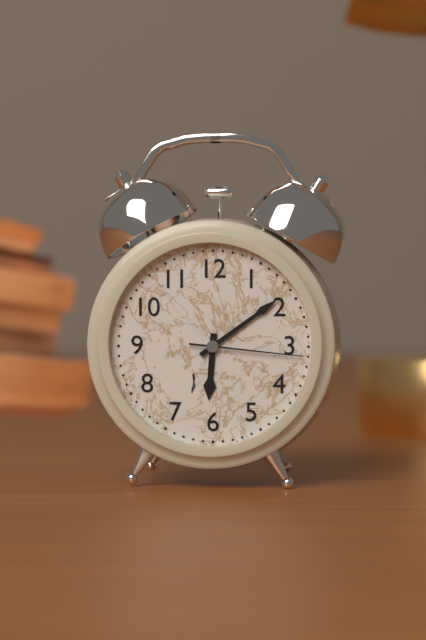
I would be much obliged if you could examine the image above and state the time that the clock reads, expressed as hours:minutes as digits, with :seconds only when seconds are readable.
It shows 6:09:16
